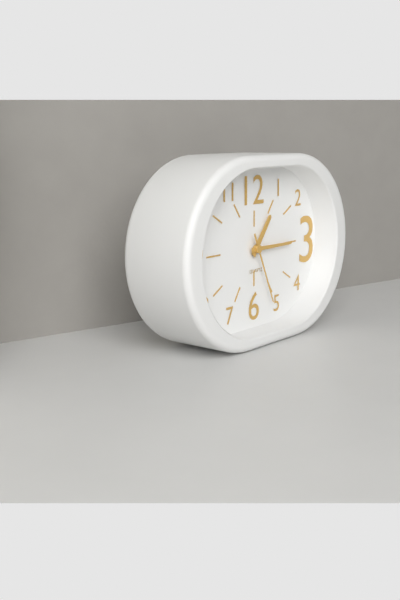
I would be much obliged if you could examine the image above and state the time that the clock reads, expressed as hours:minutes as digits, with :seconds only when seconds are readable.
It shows 1:15:26
